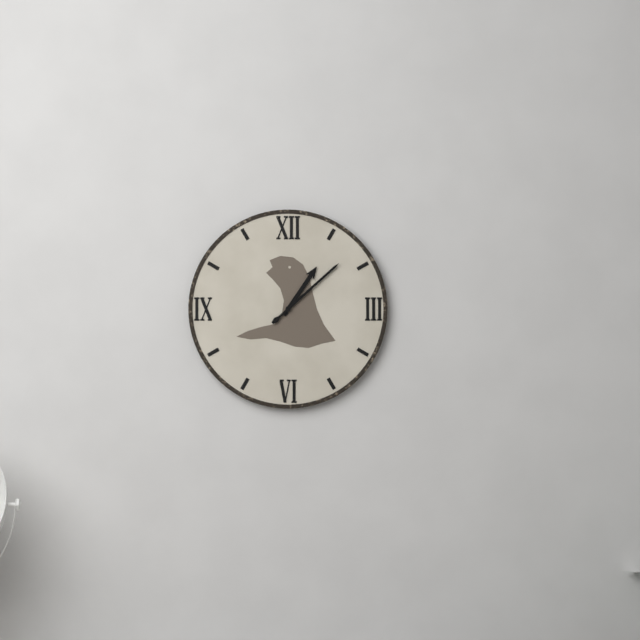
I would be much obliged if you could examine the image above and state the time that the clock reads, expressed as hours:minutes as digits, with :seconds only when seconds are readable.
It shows 1:08
